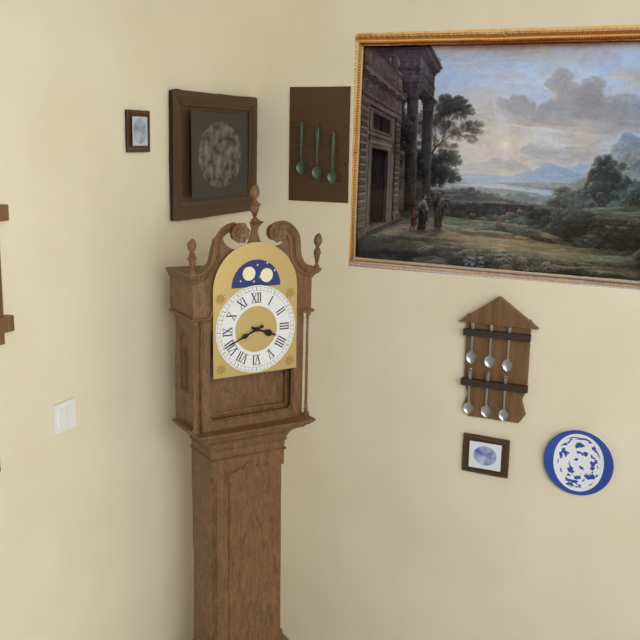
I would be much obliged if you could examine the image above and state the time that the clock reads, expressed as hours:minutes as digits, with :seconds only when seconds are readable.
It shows 3:41
